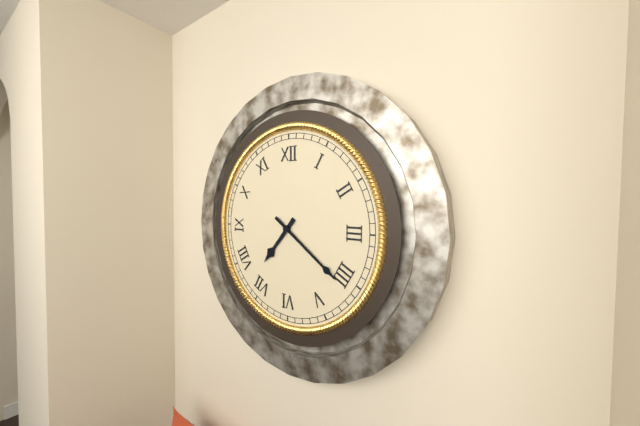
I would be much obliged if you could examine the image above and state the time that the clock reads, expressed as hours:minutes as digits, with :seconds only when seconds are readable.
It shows 7:21
